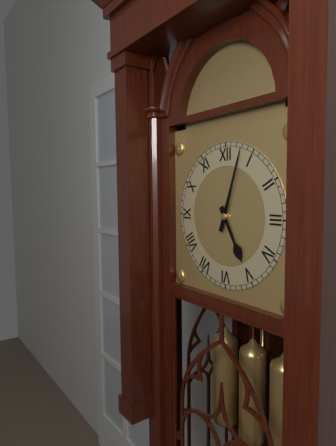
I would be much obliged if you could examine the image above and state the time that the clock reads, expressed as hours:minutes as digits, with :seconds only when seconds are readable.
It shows 5:03
